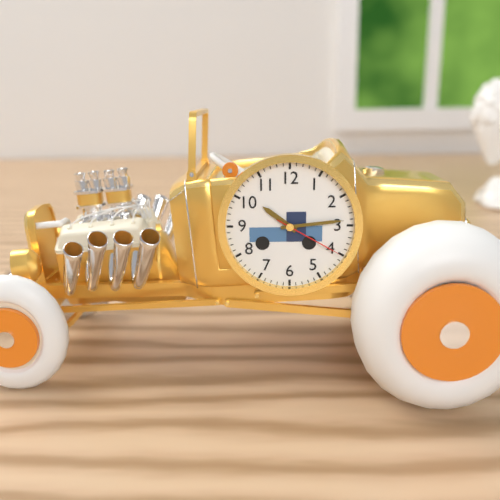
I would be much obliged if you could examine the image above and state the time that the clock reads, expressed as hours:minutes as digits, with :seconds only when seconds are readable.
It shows 10:14:20
